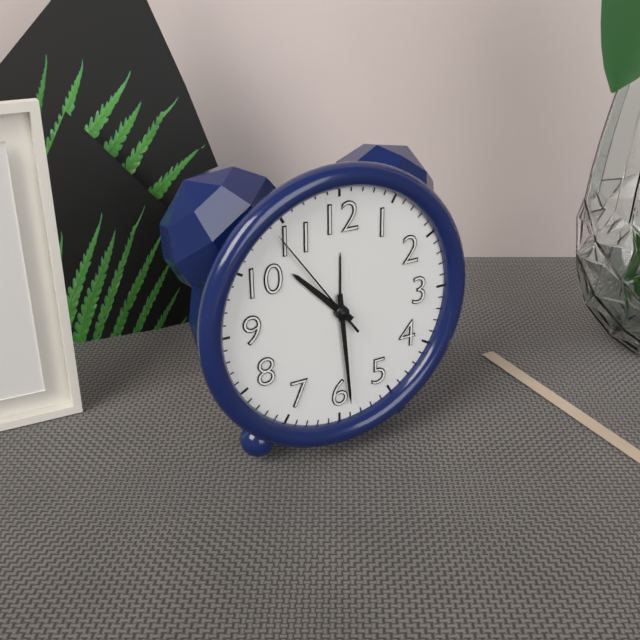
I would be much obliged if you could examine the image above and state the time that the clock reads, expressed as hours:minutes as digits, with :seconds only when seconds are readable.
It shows 10:29:54
